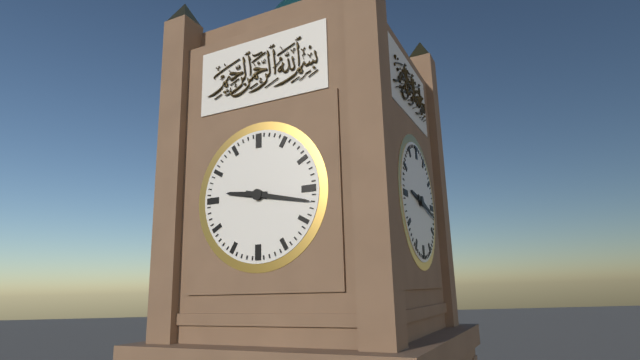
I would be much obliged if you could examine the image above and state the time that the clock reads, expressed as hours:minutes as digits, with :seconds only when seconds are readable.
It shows 9:17
